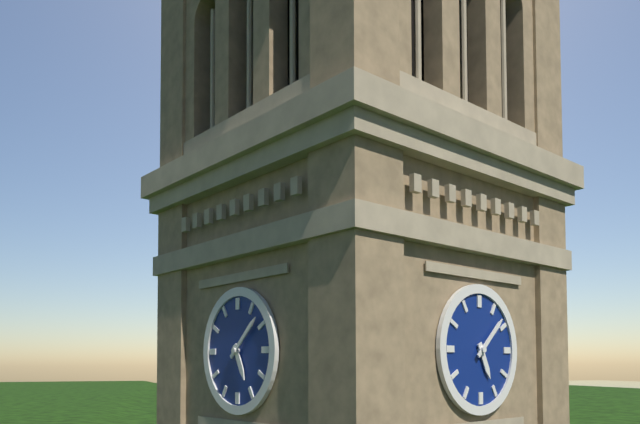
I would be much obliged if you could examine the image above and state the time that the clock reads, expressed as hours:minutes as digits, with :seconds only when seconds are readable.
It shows 5:08
